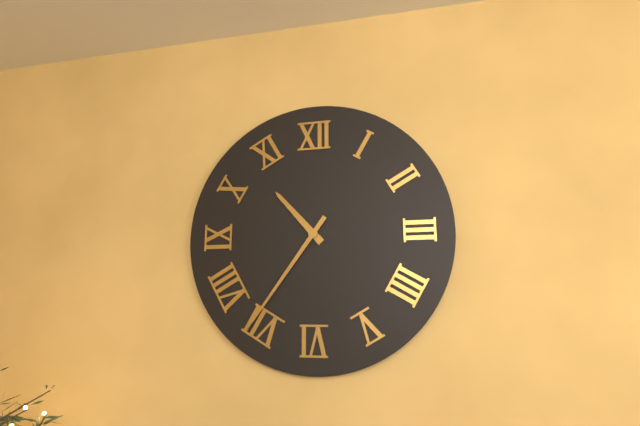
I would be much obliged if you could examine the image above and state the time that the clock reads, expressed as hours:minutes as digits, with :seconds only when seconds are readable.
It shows 10:36
